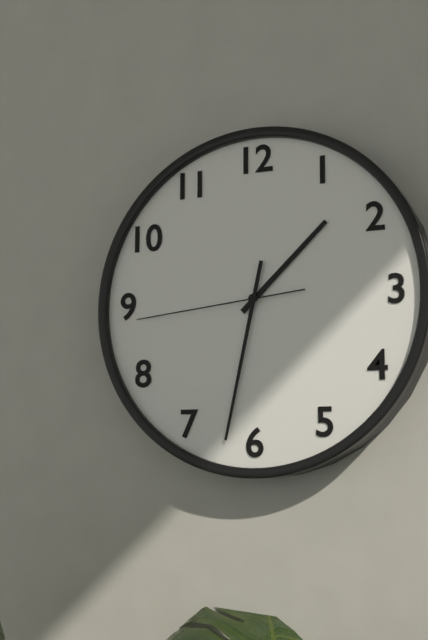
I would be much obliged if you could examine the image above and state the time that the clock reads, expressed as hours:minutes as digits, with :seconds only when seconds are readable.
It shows 1:32:44
